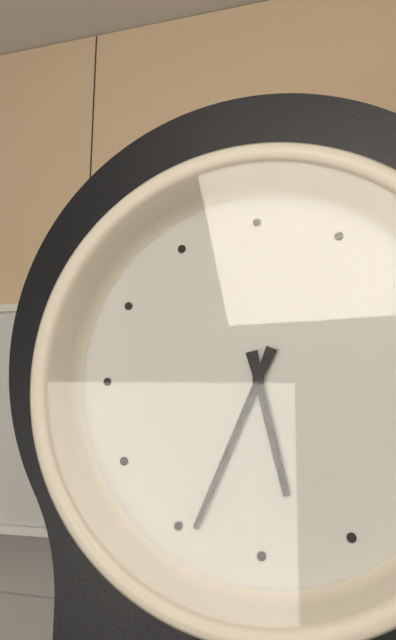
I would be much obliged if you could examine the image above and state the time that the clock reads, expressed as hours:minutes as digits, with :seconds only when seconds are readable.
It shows 5:34
